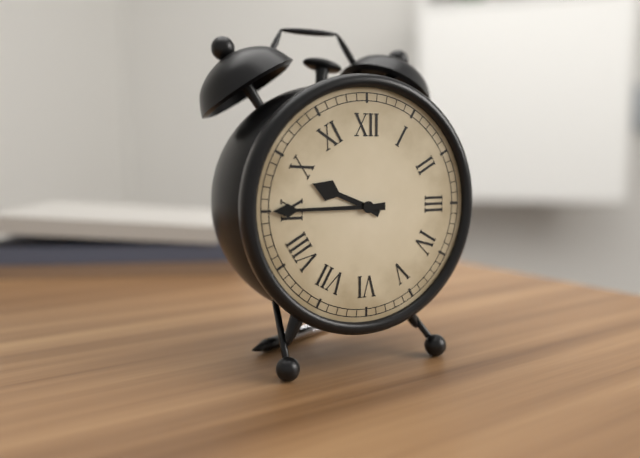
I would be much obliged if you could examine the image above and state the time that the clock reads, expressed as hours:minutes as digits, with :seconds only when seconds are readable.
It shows 9:45
